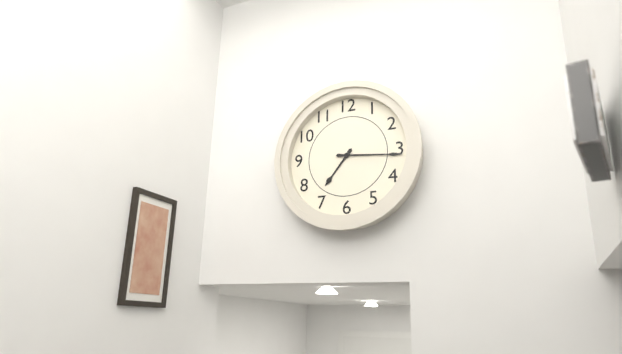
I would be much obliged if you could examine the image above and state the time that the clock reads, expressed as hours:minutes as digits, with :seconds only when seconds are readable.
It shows 7:16
